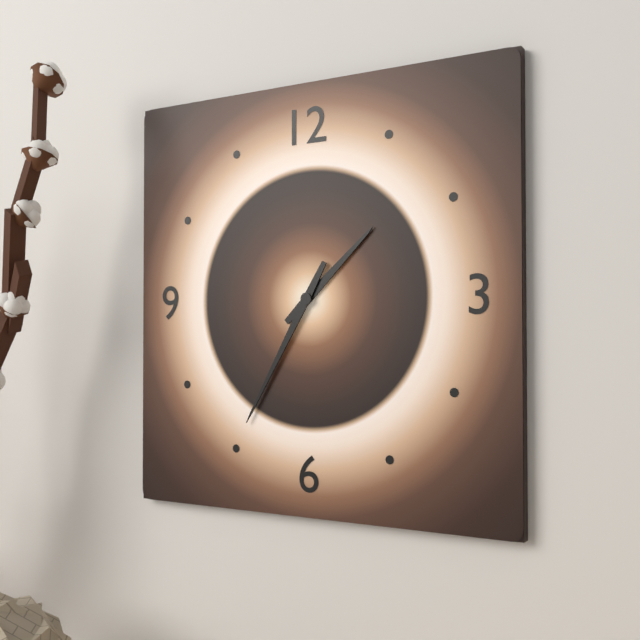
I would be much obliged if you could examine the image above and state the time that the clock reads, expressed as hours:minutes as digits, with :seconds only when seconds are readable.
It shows 1:35
